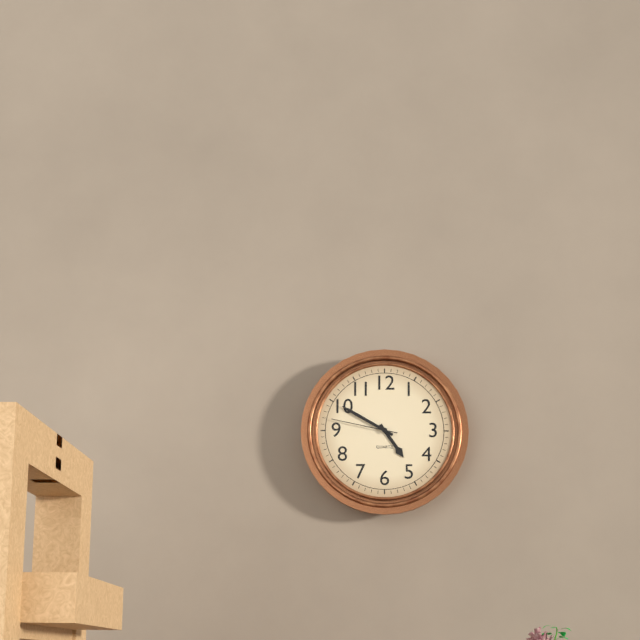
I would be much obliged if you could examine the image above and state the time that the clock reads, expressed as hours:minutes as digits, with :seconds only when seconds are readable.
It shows 4:50:47
